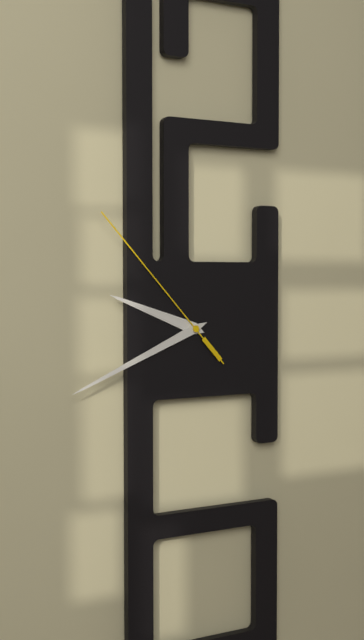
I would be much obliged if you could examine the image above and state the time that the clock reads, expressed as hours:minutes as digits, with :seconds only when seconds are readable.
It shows 9:41:53
